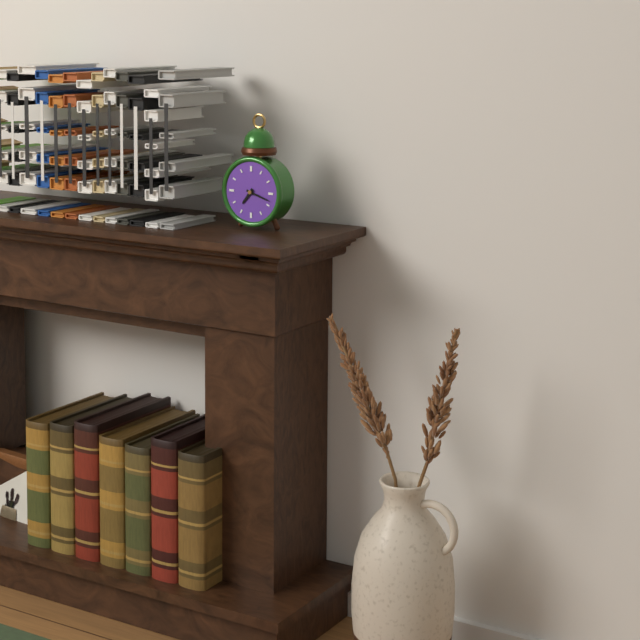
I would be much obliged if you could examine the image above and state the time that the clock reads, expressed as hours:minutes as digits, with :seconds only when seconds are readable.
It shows 7:18
